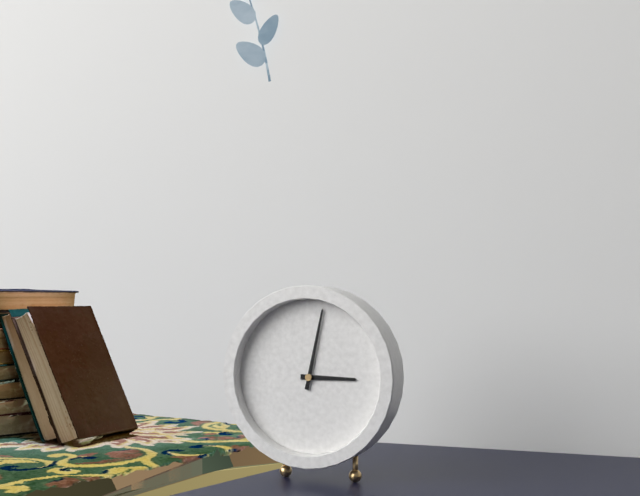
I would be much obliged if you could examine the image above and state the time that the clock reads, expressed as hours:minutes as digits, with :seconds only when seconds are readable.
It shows 3:02
